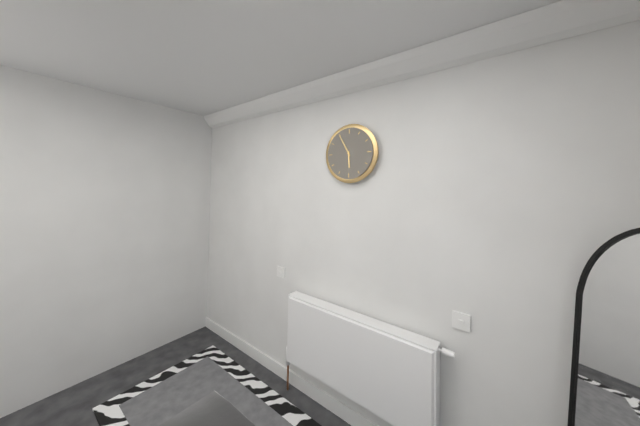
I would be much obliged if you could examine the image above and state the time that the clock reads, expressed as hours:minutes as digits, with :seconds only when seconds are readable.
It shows 5:55
